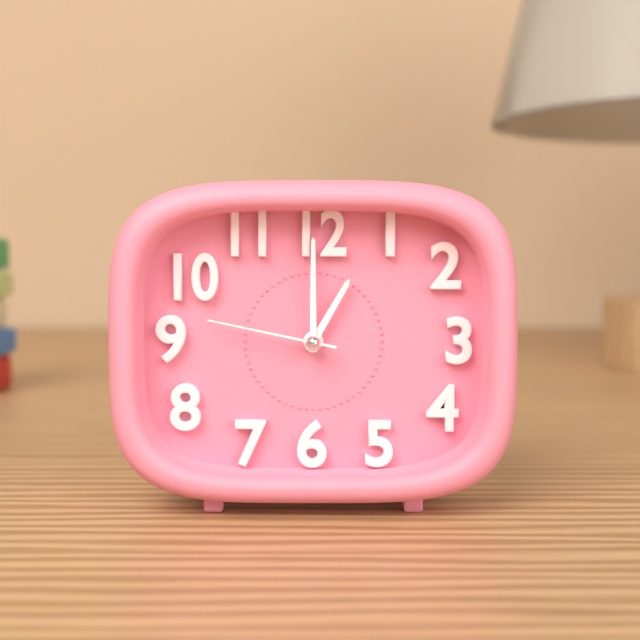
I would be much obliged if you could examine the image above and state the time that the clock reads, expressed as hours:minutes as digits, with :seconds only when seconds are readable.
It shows 1:00:47
